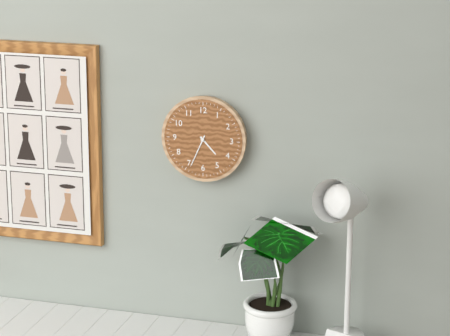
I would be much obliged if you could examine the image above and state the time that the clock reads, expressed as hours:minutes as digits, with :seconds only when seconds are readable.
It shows 4:34
